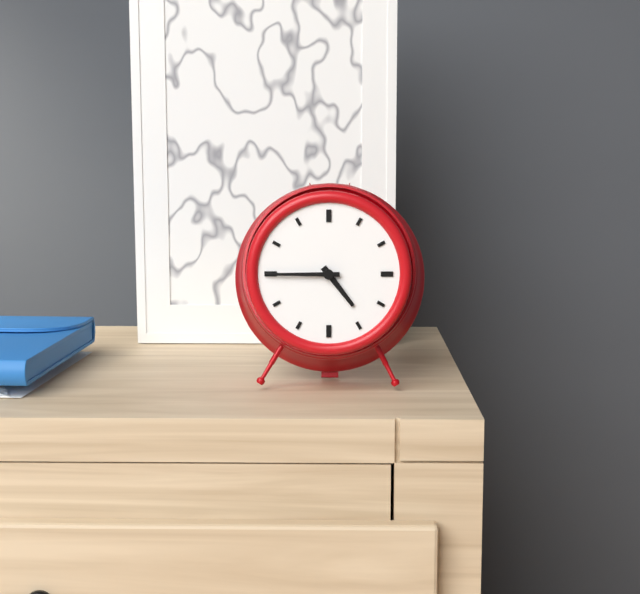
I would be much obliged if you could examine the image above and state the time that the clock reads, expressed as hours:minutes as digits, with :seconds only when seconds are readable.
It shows 4:45
